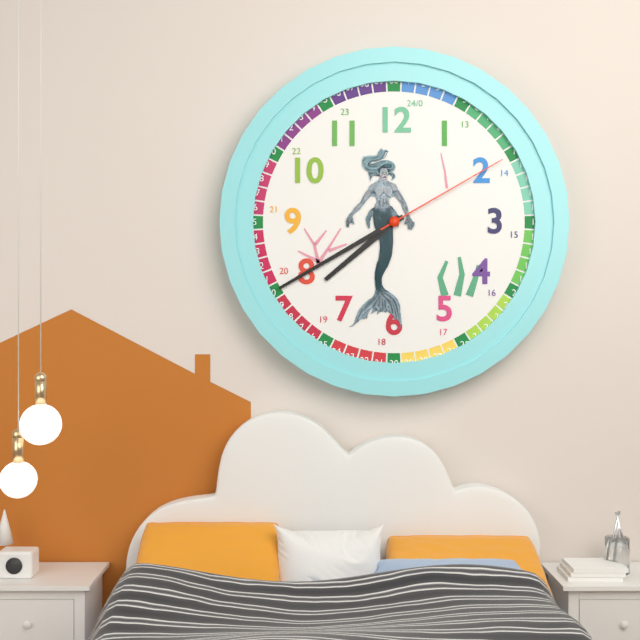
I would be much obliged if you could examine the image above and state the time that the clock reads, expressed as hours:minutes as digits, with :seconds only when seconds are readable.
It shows 7:40:10
